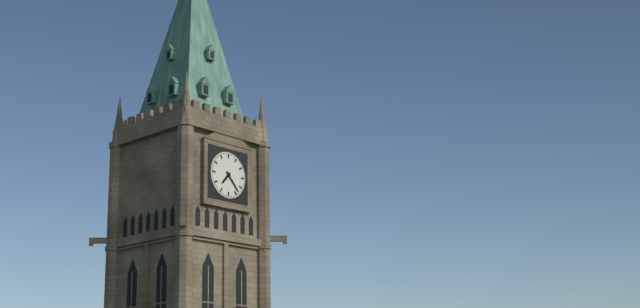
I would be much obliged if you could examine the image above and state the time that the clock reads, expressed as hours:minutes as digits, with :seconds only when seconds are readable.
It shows 7:23
